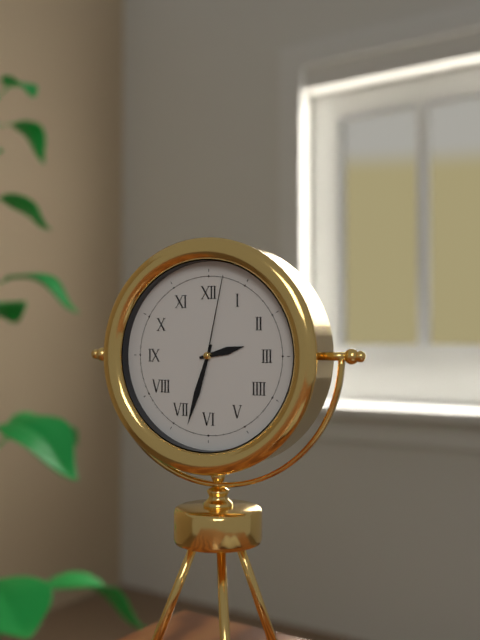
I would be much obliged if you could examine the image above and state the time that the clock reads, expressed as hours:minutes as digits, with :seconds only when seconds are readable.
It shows 2:33:02
